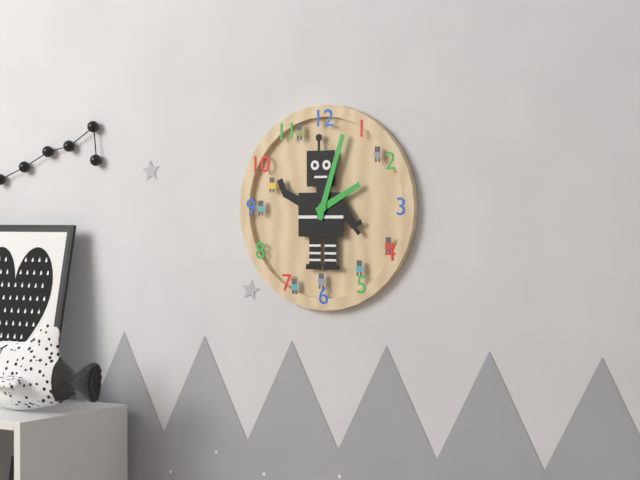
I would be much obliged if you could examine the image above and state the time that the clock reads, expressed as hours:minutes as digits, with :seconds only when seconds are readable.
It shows 2:03
